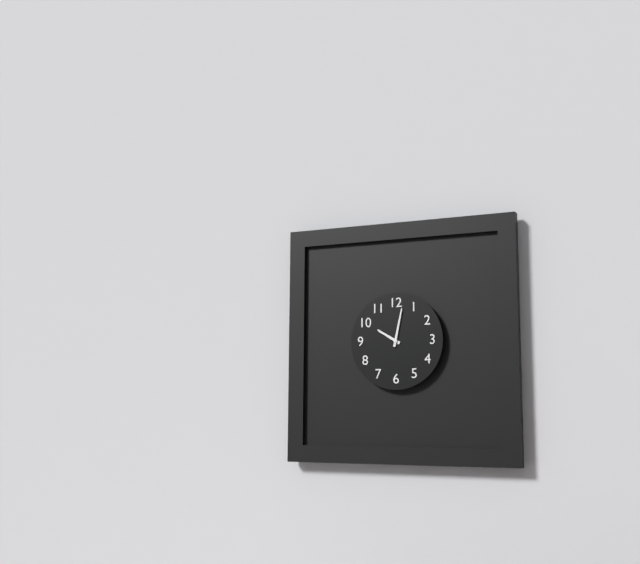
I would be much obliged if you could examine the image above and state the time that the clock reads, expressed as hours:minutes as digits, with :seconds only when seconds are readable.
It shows 10:02
